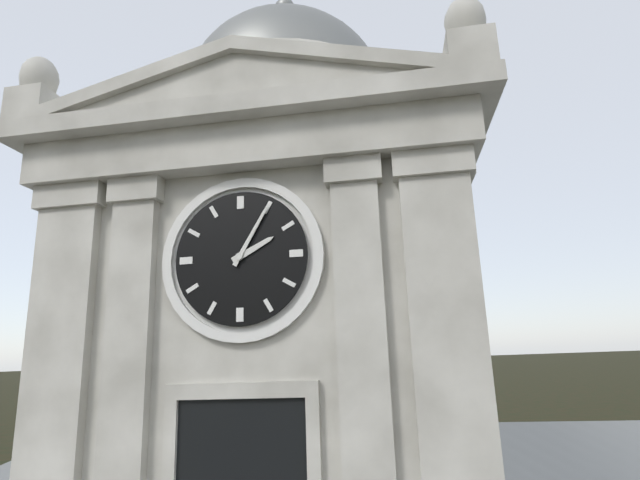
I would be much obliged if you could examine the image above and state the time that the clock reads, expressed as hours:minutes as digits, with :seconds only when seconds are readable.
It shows 2:05
